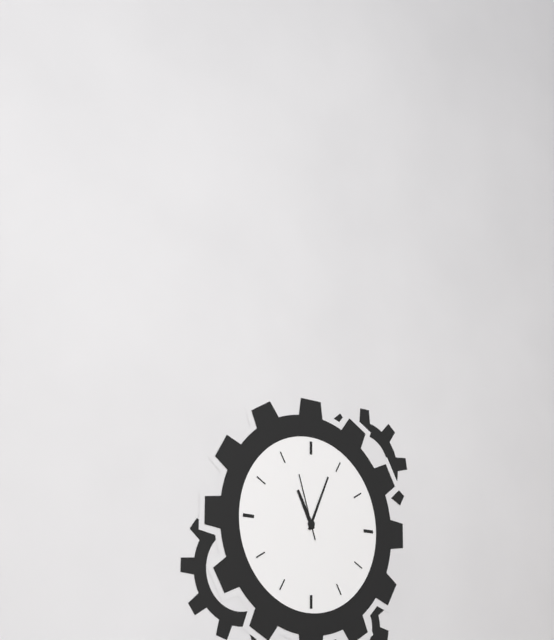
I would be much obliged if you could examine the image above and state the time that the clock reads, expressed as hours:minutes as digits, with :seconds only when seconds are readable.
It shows 11:04:57
